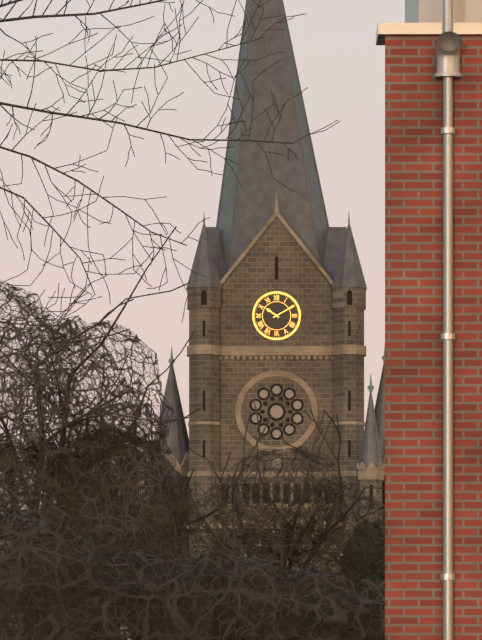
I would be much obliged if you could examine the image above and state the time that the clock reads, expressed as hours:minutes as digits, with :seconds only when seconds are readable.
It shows 10:10
